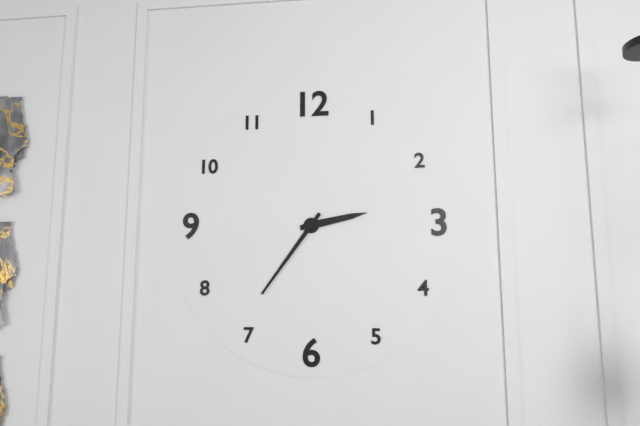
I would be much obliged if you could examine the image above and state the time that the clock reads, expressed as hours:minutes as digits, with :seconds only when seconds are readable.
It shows 2:36
